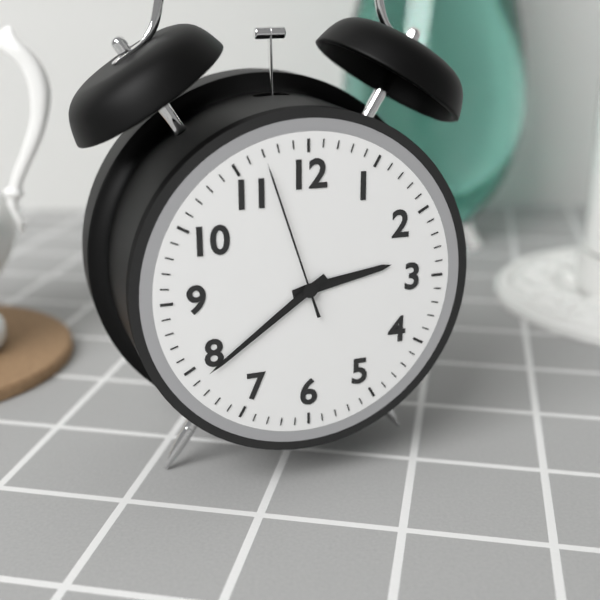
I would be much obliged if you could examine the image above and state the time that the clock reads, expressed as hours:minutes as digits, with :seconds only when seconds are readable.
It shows 2:39:57
